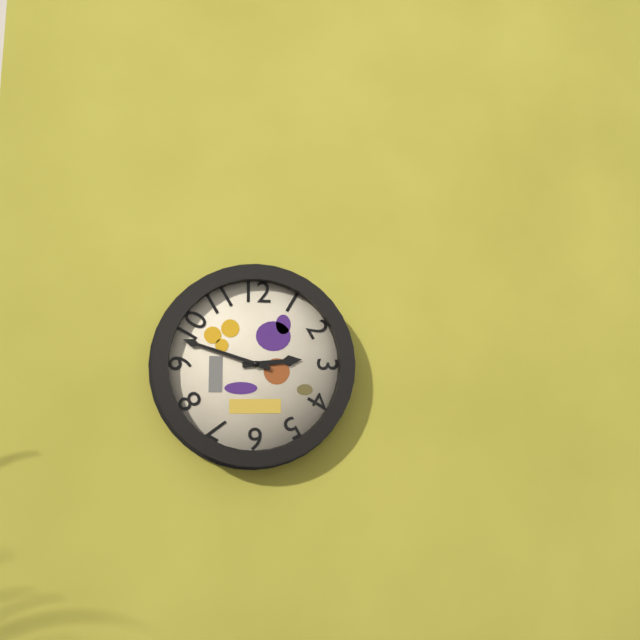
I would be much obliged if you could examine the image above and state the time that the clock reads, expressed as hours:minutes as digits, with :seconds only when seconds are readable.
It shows 2:48
